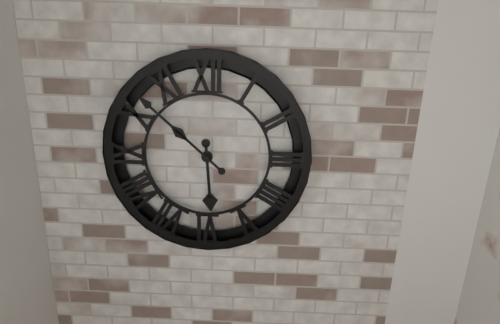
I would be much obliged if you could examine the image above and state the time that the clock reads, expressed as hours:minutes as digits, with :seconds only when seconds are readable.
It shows 5:52
